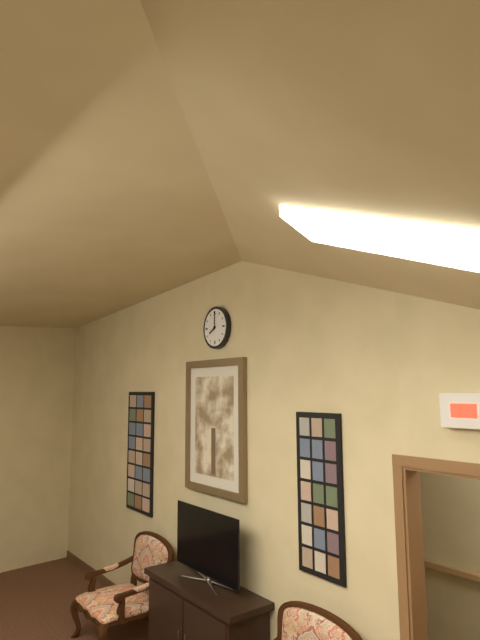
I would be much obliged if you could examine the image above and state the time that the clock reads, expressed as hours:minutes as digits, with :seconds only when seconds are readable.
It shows 8:00
